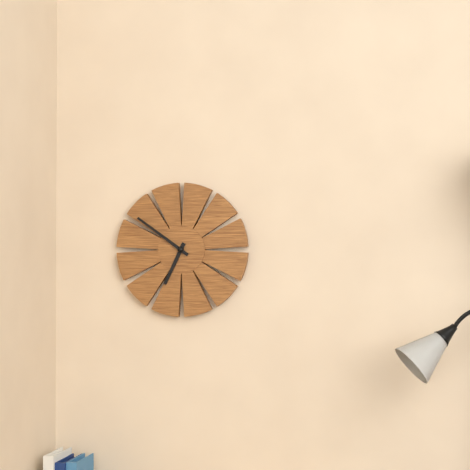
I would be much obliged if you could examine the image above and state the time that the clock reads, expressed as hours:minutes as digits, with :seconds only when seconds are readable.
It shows 6:51
